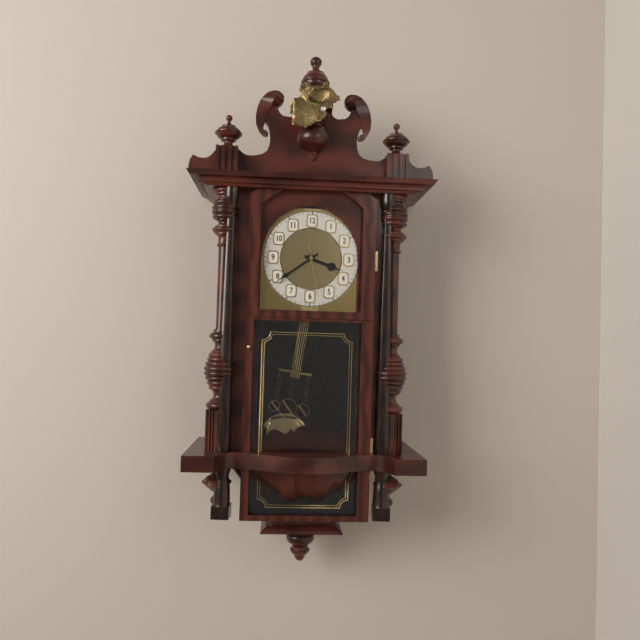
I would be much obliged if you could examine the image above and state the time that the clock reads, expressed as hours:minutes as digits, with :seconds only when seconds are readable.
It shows 3:39:28
